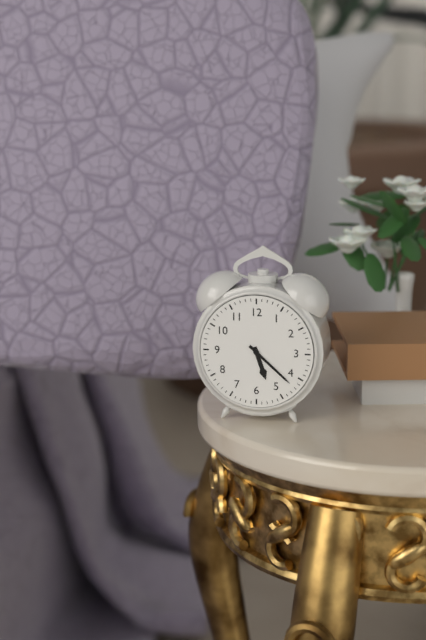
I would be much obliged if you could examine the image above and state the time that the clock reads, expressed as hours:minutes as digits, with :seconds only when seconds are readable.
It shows 5:22
